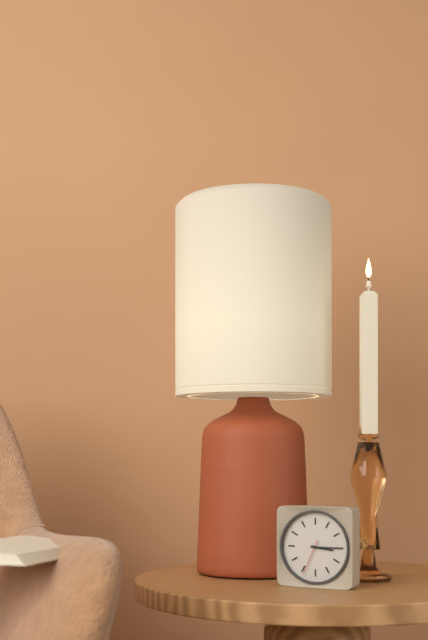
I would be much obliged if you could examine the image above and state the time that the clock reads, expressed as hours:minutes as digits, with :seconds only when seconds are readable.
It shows 3:15
